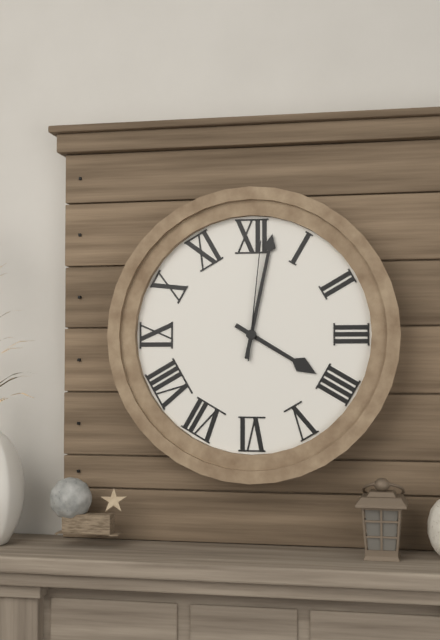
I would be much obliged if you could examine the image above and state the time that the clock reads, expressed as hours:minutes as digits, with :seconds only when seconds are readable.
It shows 4:02:01
